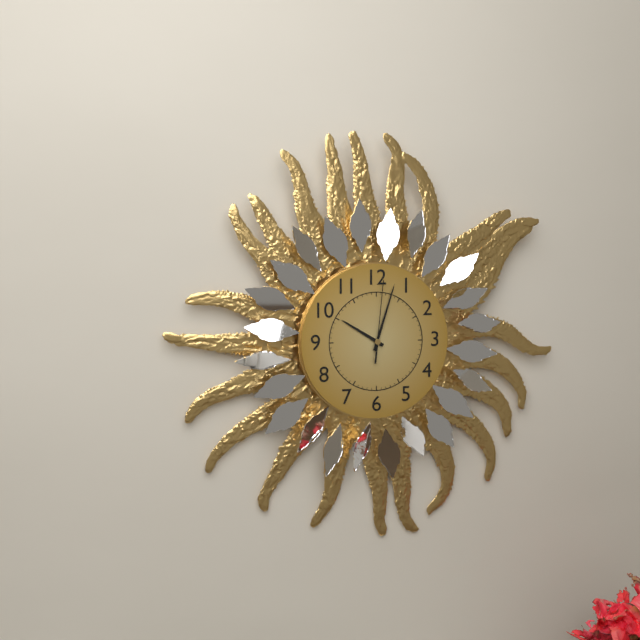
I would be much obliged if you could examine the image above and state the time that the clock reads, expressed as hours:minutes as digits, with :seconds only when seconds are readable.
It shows 10:03:01
